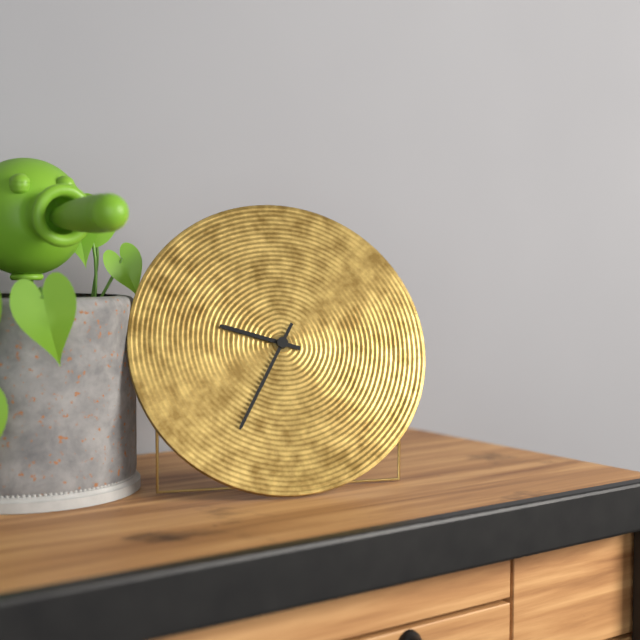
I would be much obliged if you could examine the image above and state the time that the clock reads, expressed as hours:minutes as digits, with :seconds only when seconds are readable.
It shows 9:35
